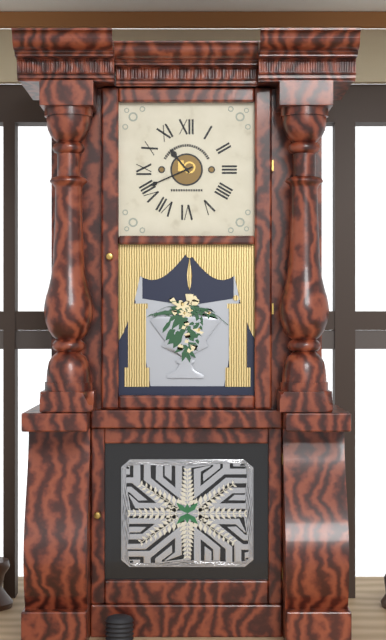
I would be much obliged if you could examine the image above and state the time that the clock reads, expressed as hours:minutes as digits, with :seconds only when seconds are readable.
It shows 10:41
